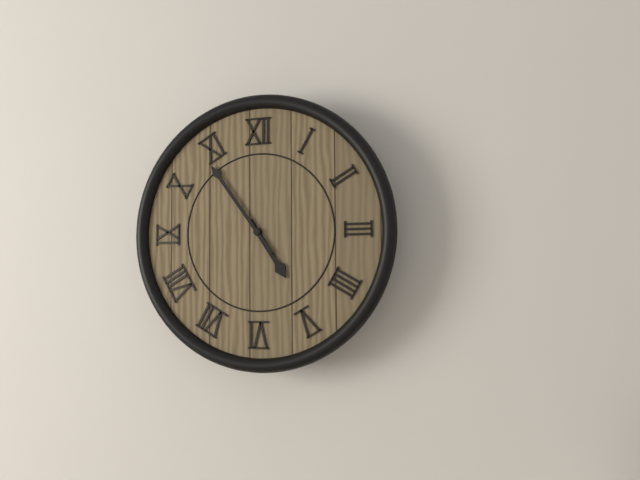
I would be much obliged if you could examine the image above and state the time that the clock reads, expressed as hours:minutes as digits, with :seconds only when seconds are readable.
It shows 4:54
